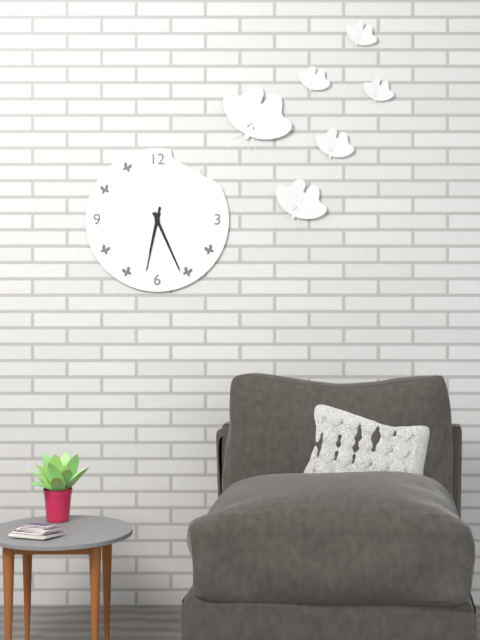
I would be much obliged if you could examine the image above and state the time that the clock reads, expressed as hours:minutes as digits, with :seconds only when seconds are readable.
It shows 6:26:32
